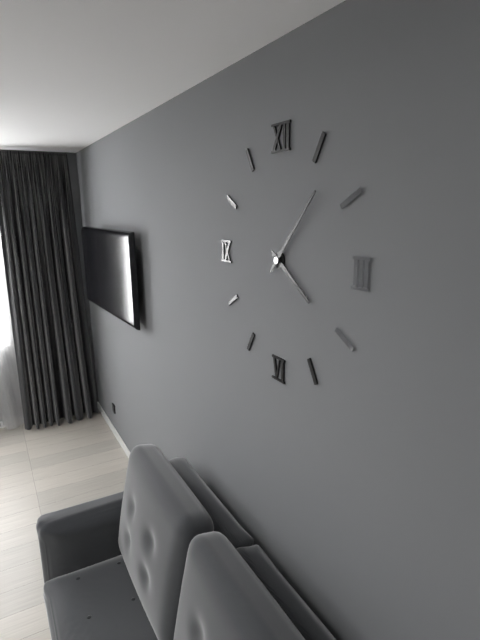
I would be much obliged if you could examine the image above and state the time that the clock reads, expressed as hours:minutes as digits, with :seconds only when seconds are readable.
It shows 4:07
